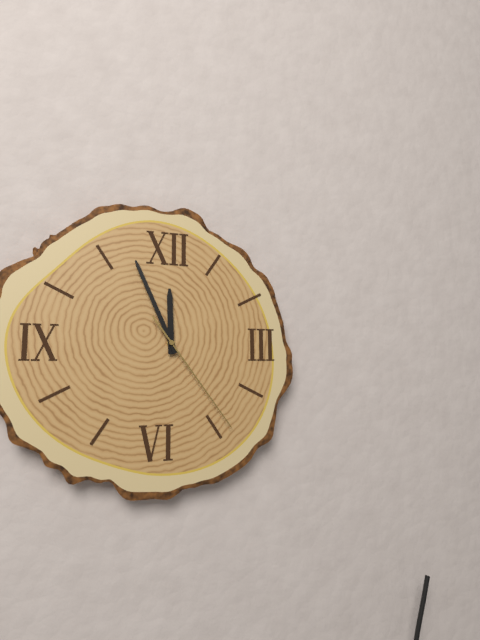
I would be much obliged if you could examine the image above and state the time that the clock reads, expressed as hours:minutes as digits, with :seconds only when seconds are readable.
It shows 11:56:24
